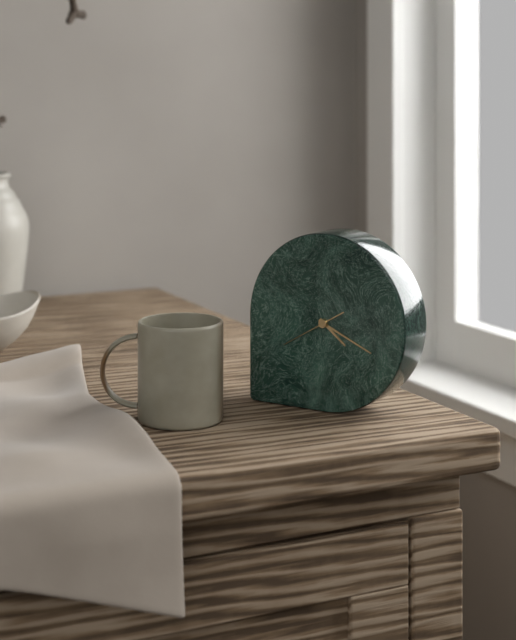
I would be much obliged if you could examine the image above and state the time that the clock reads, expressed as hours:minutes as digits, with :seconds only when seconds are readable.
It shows 4:19:40
